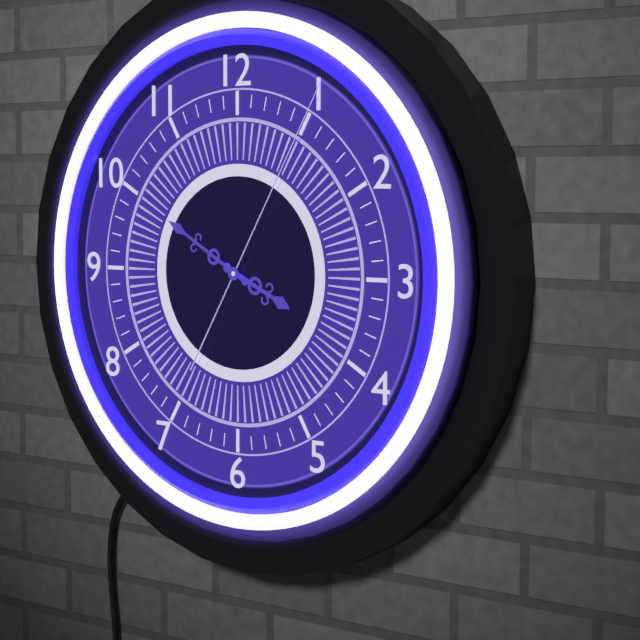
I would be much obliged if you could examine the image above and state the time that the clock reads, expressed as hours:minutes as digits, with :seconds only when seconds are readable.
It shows 3:50:05
